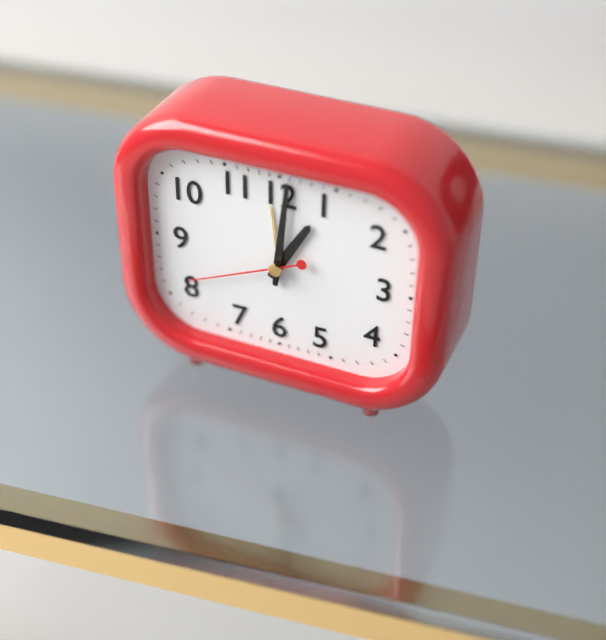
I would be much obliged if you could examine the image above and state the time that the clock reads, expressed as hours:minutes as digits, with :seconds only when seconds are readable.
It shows 1:01:41
